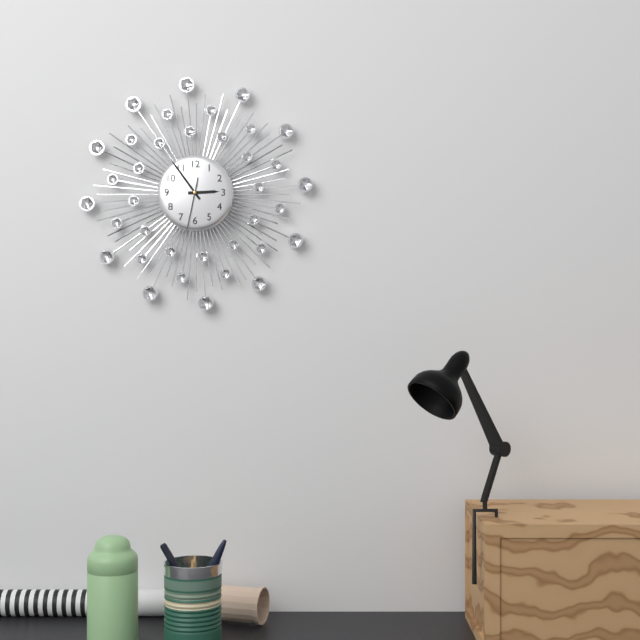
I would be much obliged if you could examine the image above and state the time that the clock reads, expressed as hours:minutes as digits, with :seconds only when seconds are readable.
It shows 2:54:32
